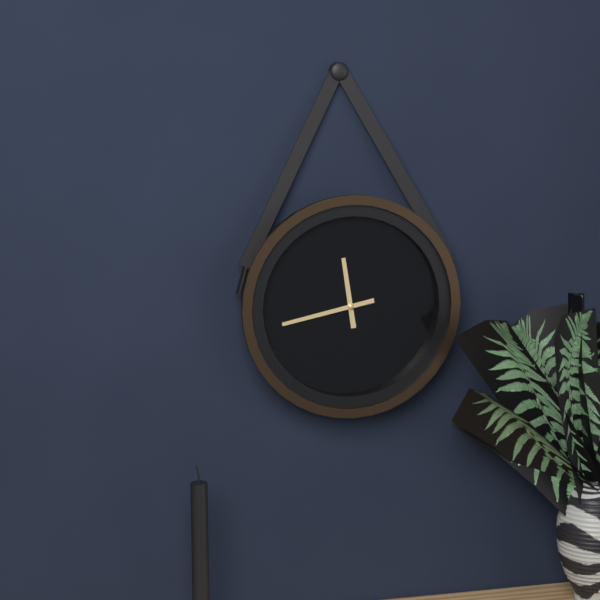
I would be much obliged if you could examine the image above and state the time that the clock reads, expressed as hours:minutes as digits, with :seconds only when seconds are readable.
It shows 11:43
